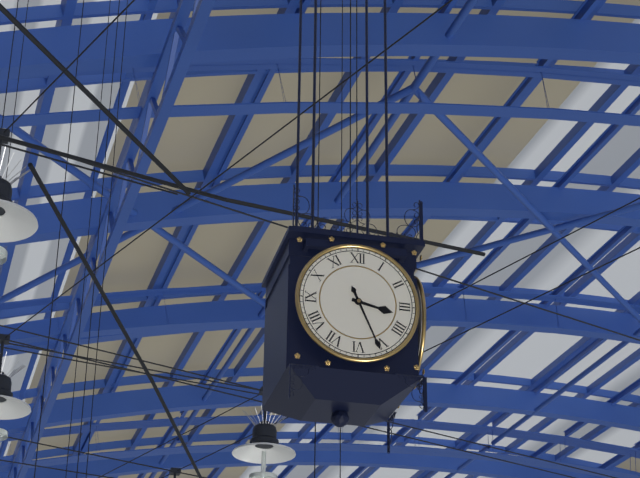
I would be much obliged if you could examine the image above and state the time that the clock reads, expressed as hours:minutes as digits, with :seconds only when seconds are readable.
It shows 3:26
